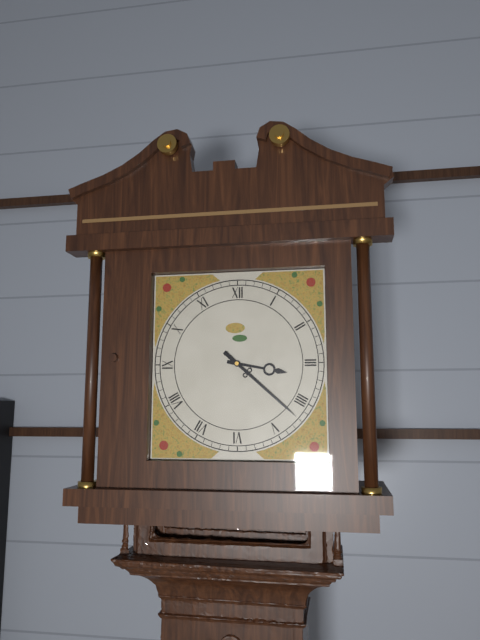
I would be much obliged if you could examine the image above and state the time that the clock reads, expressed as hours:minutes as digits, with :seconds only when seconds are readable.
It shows 3:22
